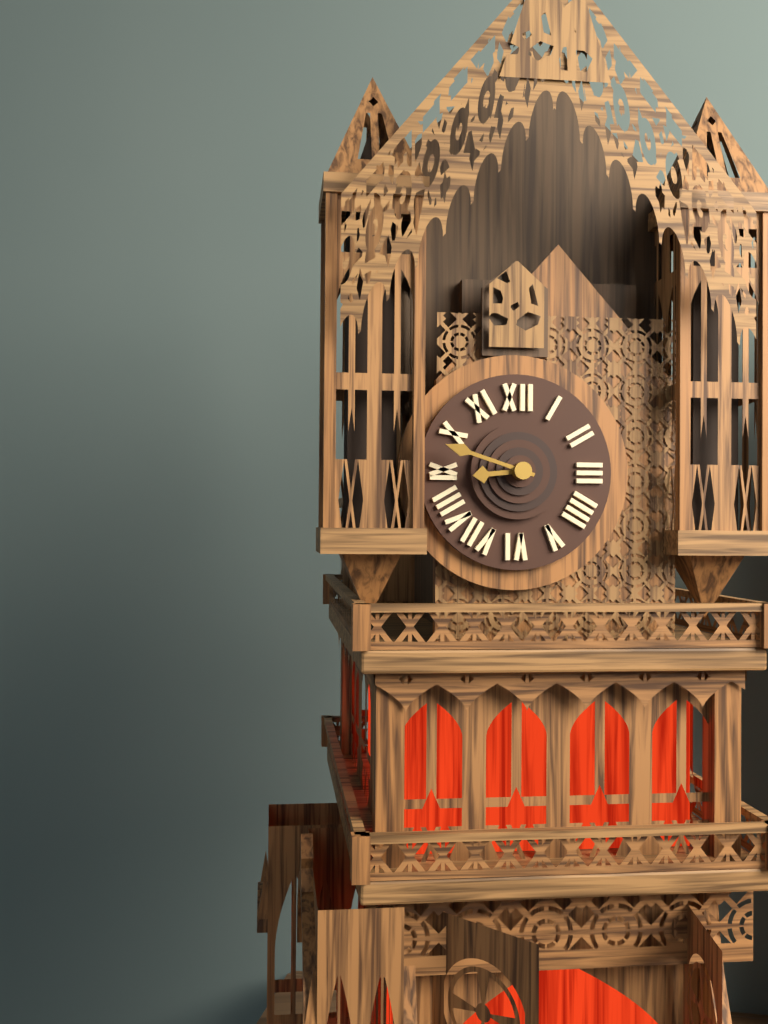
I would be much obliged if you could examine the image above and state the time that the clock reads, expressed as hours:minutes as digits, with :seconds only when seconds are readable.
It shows 8:48
